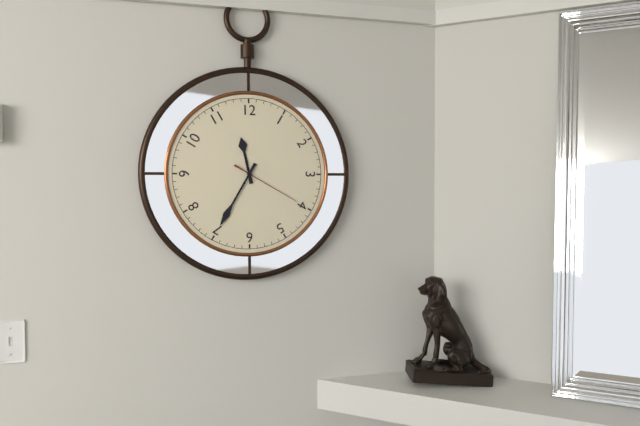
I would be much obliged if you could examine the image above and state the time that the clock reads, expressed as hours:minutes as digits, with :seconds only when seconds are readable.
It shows 11:35:20
